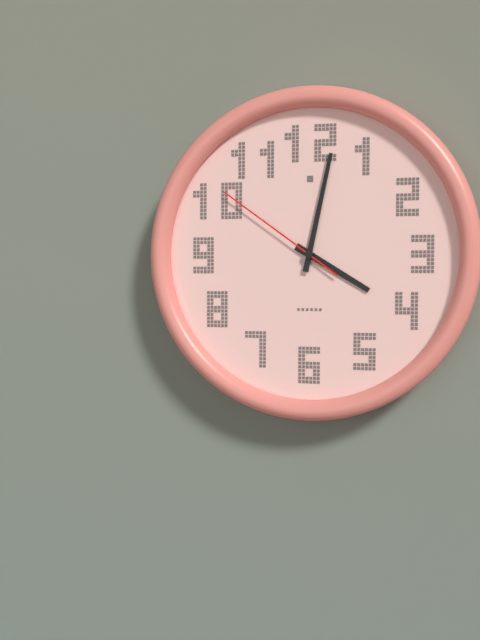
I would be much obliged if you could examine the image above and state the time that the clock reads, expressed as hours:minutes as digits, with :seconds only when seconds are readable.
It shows 4:02:51
